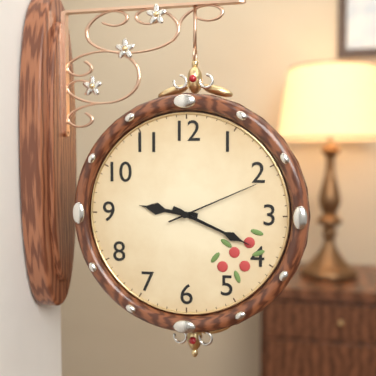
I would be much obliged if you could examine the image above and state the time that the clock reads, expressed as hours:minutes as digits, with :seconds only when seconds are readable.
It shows 9:19:11
